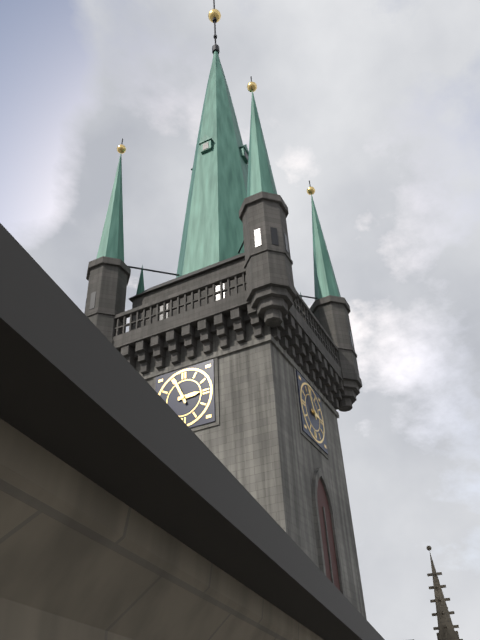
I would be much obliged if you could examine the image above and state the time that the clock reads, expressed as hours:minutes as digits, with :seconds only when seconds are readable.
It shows 2:56
